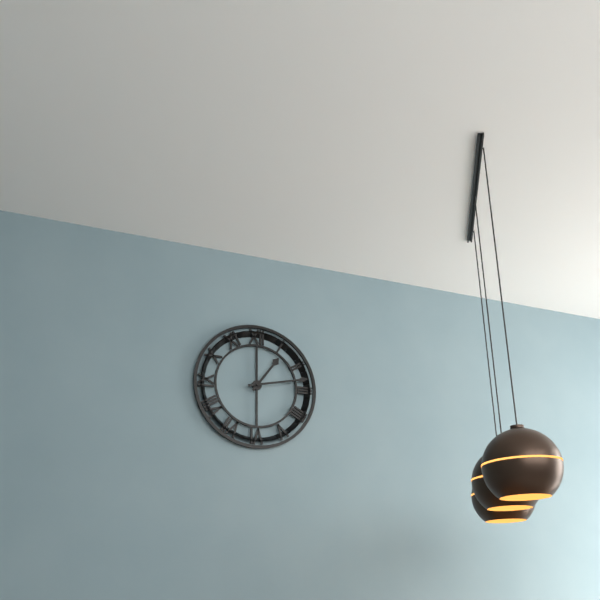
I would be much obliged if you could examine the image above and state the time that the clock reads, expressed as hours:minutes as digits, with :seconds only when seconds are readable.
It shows 1:13
